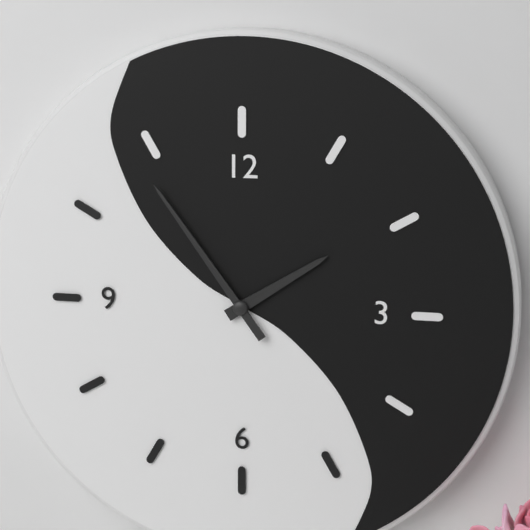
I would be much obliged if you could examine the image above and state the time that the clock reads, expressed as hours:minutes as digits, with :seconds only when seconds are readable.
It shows 1:54
